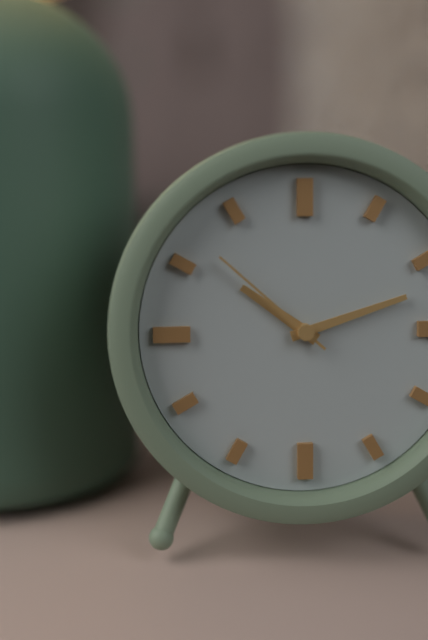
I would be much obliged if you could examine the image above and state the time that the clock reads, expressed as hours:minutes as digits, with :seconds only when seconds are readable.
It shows 10:12:52
